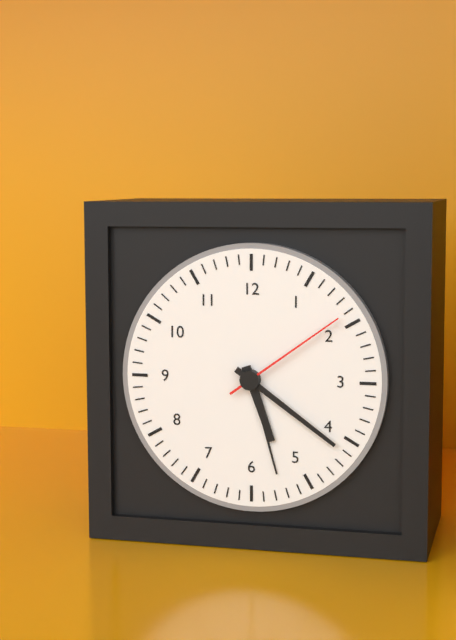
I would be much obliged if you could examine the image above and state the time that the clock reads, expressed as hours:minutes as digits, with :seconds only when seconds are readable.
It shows 5:21:09
